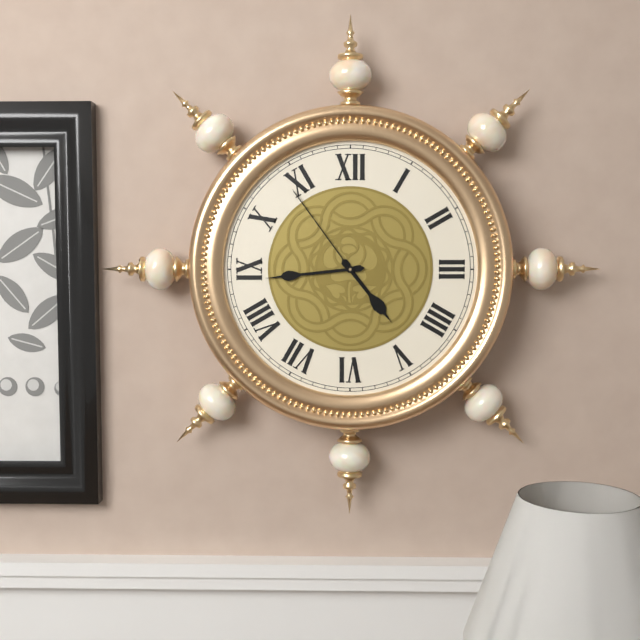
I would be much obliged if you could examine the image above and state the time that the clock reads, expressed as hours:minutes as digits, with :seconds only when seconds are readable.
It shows 4:44:54
